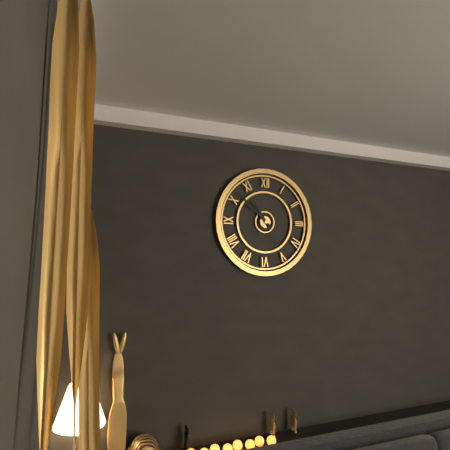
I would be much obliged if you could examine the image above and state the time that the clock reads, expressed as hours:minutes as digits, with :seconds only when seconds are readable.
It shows 10:52
